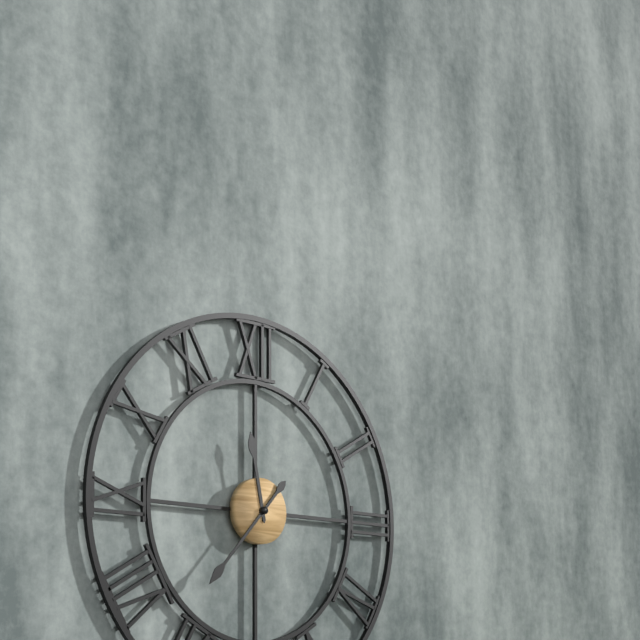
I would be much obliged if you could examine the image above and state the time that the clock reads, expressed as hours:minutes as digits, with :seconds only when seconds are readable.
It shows 11:37
